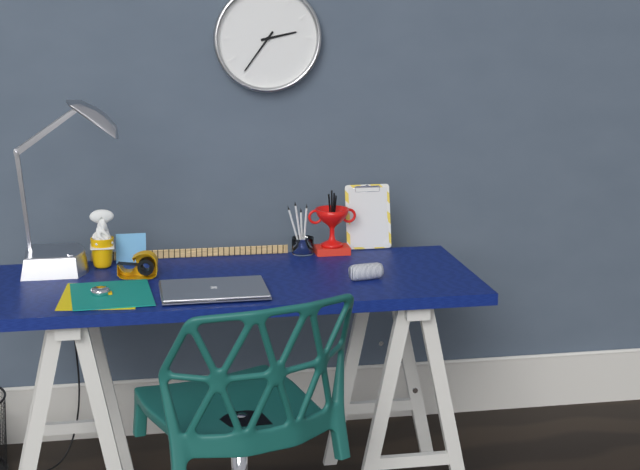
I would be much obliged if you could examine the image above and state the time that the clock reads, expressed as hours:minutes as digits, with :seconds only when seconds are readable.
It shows 2:36
